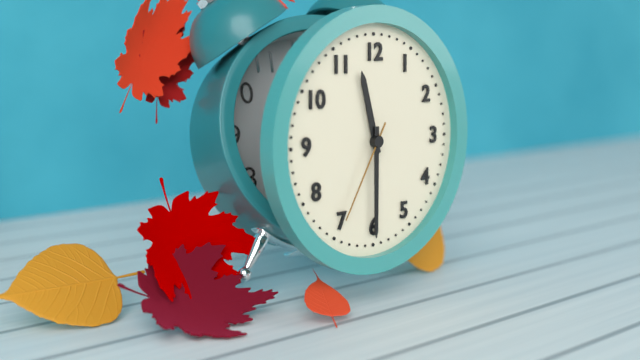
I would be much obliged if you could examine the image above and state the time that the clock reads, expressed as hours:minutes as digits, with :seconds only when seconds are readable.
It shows 11:30:35
